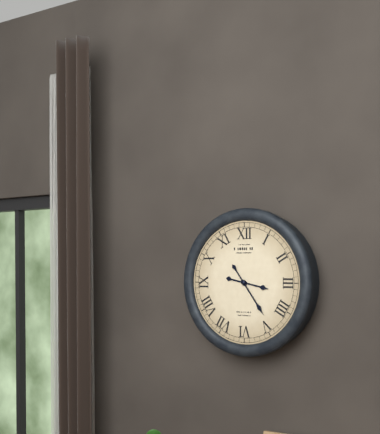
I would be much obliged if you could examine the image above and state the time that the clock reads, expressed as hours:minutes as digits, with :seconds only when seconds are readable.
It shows 3:24
